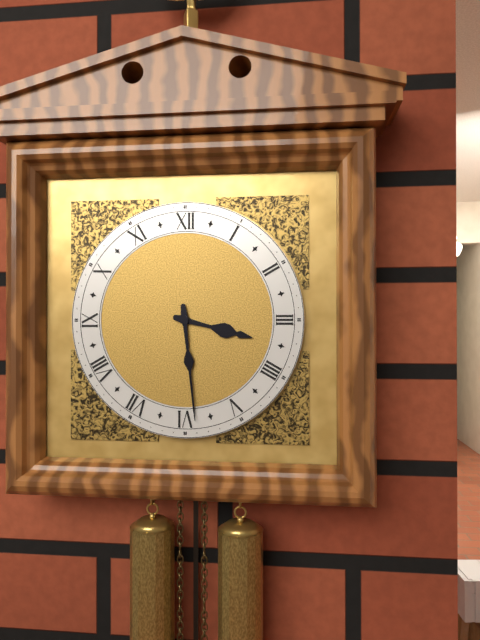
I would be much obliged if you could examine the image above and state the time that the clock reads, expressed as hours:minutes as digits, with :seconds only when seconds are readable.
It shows 3:29
